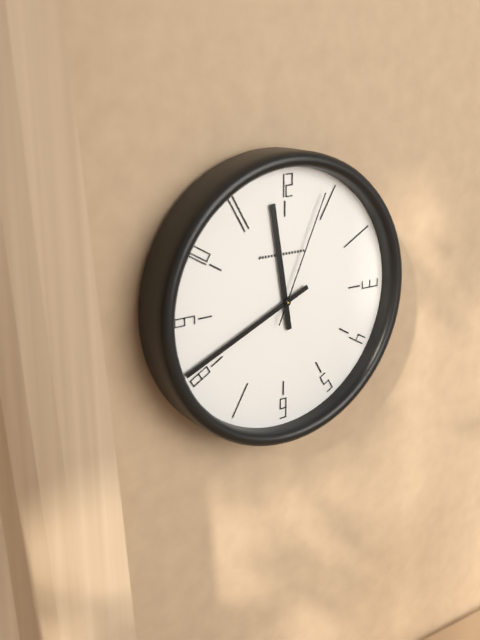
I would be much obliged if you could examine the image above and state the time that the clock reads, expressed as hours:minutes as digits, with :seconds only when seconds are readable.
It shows 11:41:04
